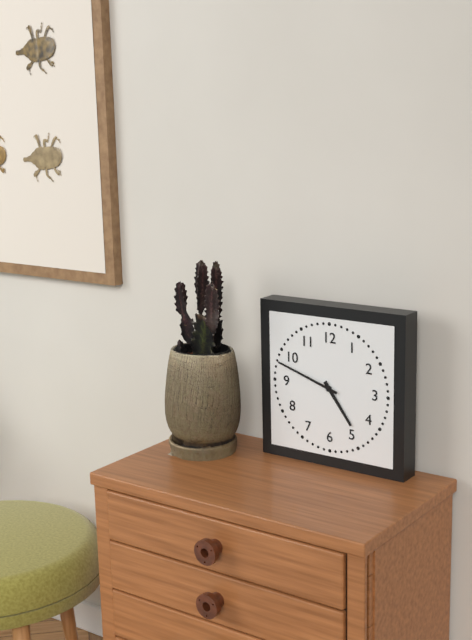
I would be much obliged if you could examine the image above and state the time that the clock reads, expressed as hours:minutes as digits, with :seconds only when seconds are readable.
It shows 4:48
